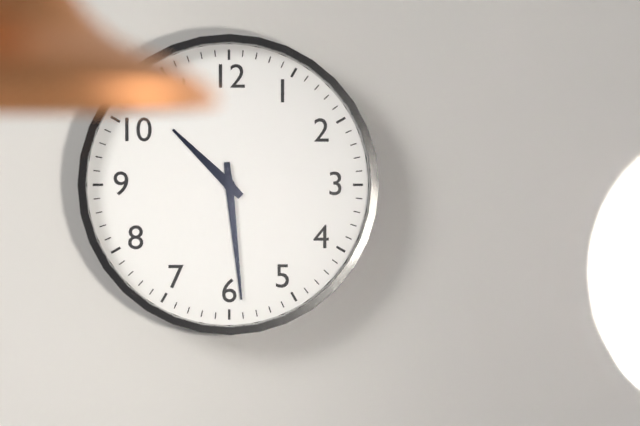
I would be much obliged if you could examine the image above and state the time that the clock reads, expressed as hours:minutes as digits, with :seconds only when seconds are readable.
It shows 10:29
